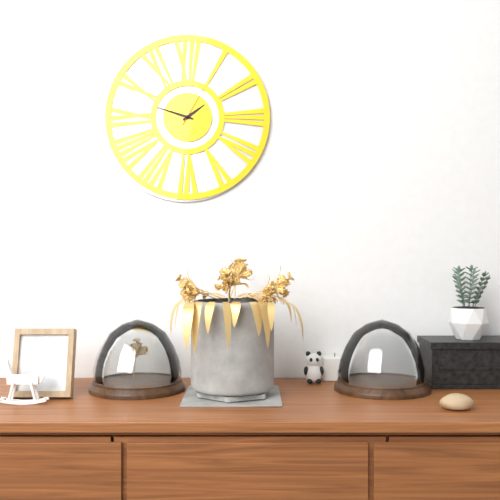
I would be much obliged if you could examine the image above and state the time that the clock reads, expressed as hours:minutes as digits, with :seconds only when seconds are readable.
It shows 1:48
